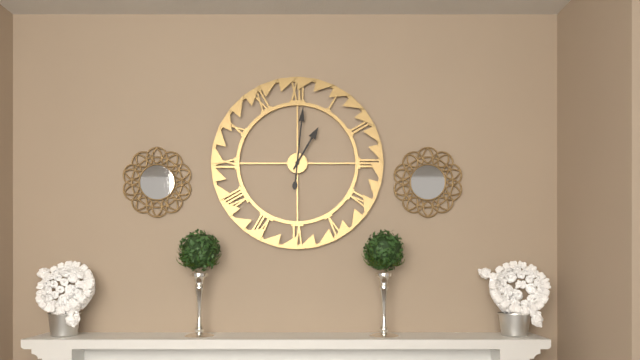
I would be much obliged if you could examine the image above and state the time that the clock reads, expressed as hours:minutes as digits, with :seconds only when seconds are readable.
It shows 1:01
